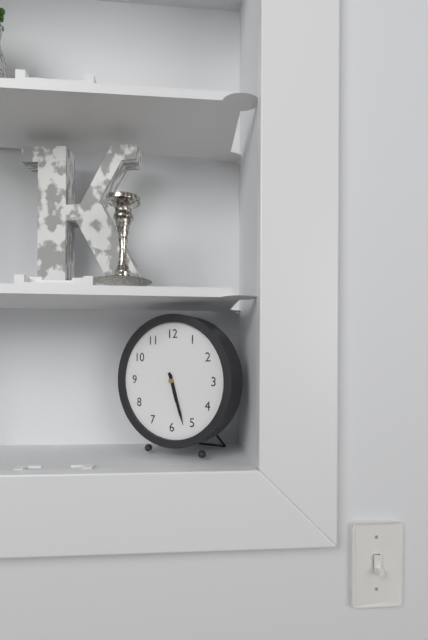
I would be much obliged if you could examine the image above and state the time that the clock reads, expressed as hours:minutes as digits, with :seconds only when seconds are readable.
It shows 5:27
